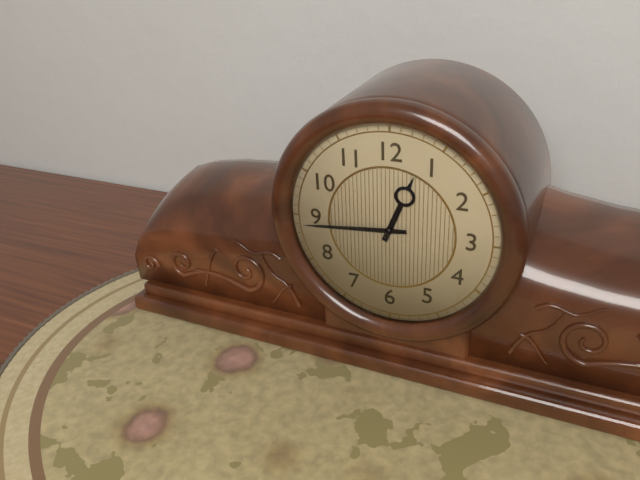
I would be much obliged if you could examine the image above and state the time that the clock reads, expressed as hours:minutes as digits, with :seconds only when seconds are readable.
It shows 12:44
